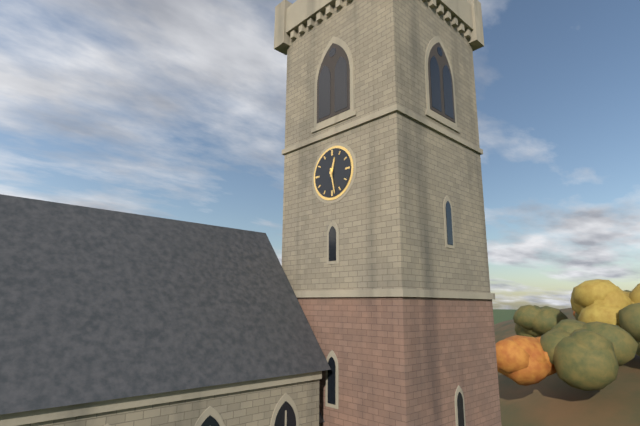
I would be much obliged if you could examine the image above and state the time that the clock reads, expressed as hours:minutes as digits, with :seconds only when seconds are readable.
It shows 12:28
